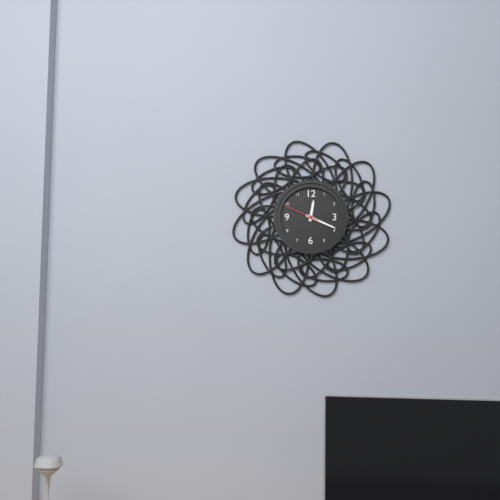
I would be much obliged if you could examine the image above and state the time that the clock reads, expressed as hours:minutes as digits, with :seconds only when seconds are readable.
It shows 12:19
